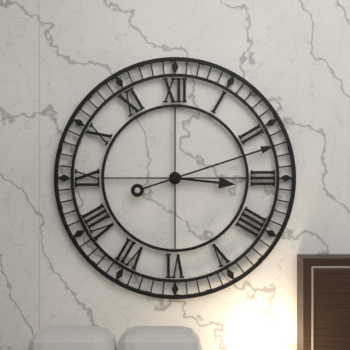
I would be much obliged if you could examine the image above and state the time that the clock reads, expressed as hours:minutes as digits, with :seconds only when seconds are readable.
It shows 3:12
